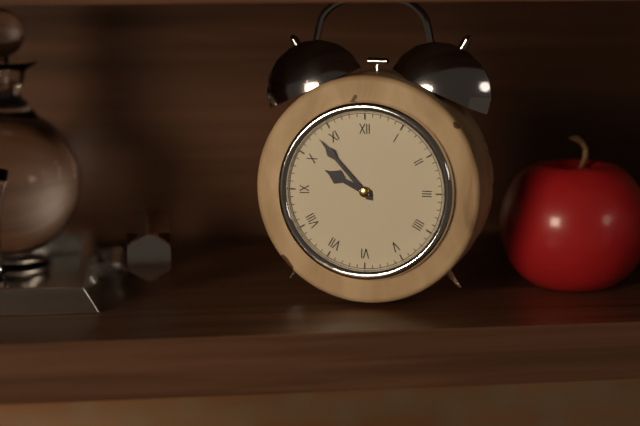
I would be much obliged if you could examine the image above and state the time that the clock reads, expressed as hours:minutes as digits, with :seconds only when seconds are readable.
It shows 9:53
